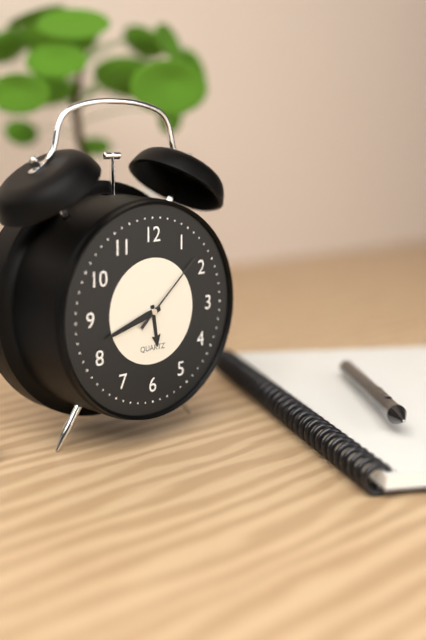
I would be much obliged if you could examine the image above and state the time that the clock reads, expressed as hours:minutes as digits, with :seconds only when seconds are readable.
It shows 5:42:08
